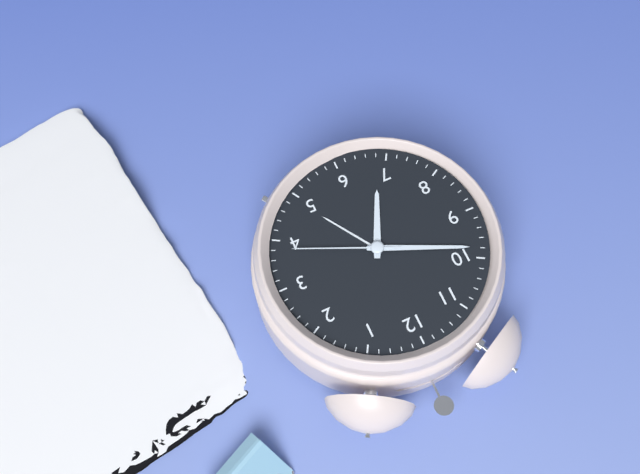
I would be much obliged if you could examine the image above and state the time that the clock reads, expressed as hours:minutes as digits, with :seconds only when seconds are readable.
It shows 6:49:19
